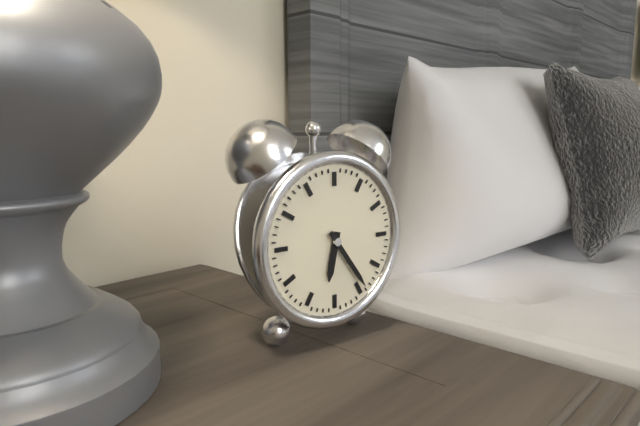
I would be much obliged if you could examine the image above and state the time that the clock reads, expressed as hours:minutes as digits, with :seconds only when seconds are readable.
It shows 6:24
